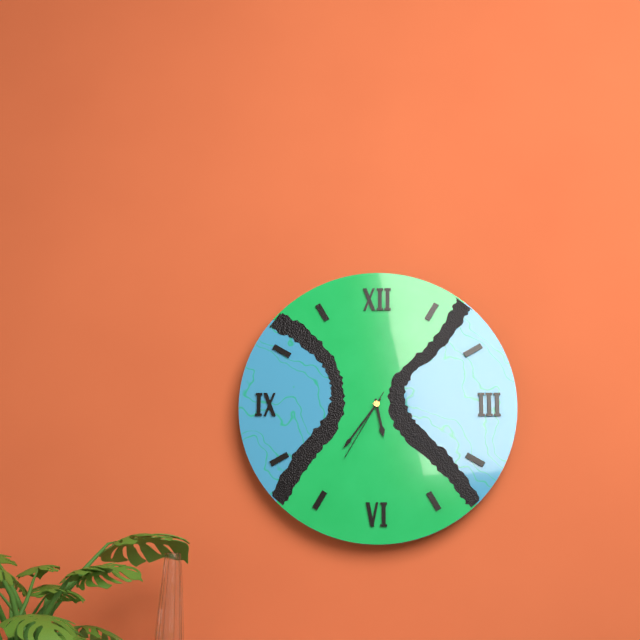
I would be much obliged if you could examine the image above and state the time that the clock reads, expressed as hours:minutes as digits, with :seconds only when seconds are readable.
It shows 5:36:35
